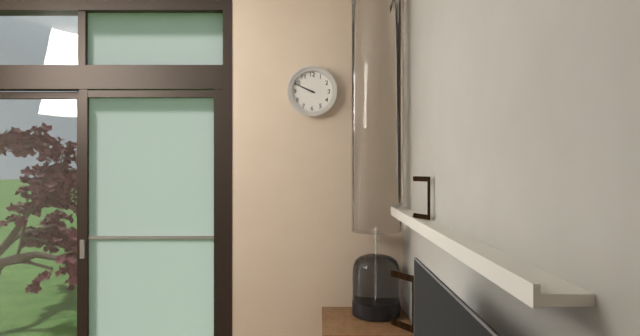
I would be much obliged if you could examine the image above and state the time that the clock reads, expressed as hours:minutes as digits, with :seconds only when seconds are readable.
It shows 9:49
